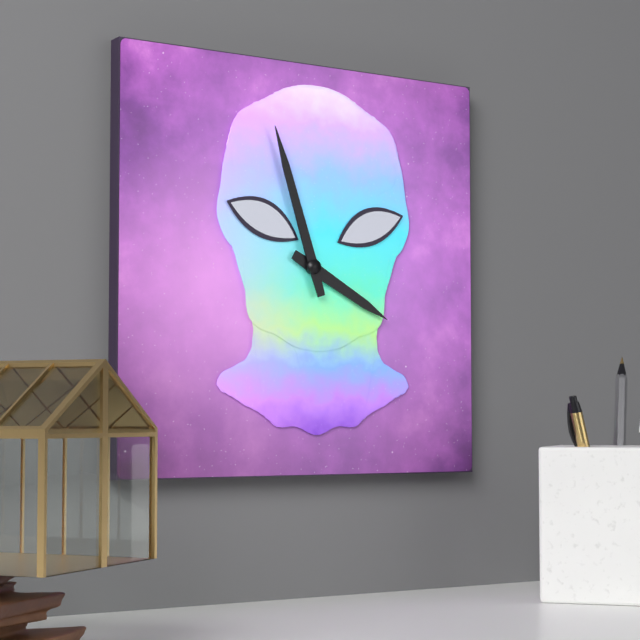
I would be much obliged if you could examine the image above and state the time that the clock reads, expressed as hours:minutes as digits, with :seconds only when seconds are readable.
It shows 3:57
